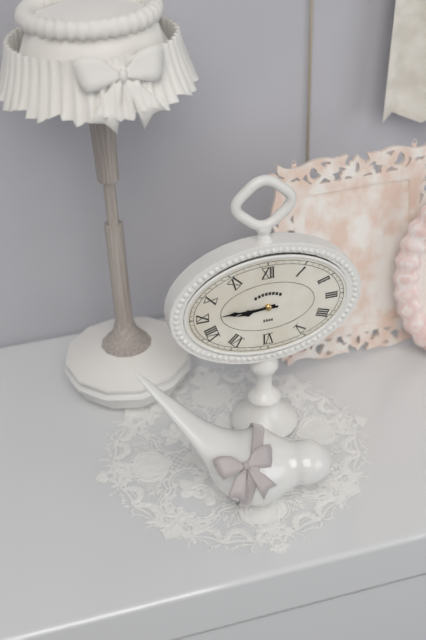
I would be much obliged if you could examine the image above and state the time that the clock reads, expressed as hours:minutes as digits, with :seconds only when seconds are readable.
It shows 8:45
